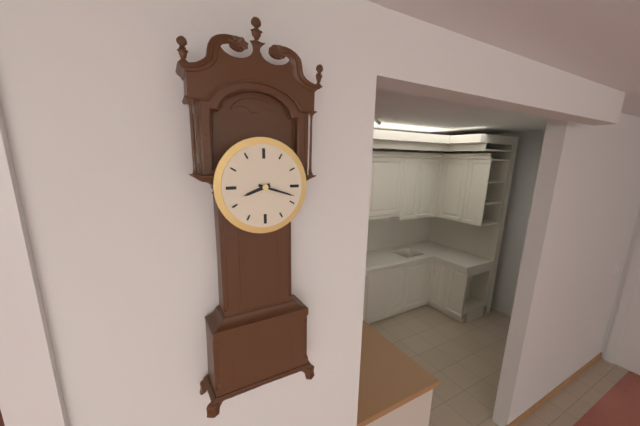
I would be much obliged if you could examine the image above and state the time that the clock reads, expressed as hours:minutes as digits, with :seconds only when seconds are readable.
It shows 8:18
